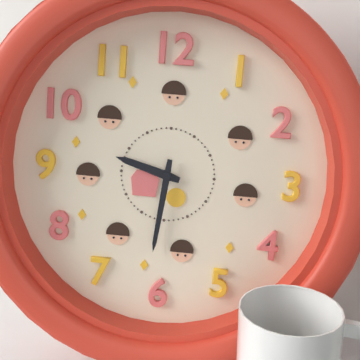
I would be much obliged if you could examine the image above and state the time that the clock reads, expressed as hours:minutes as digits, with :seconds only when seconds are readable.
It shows 9:31
